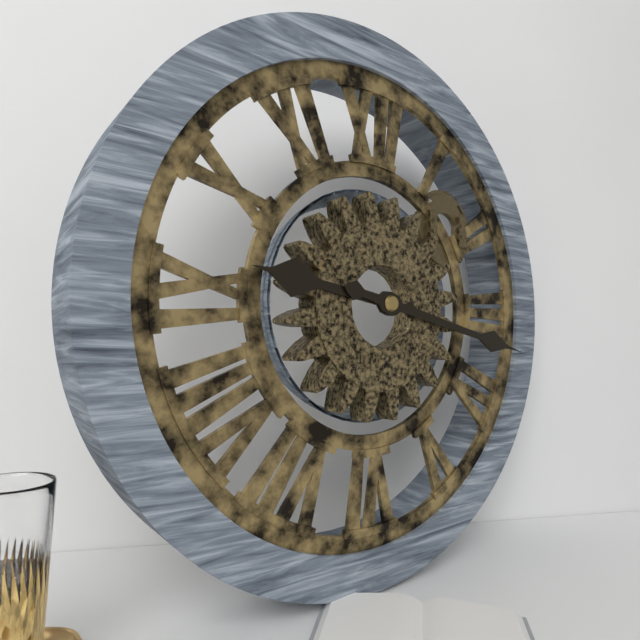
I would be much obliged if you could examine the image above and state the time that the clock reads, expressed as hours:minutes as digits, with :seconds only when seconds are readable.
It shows 9:17
